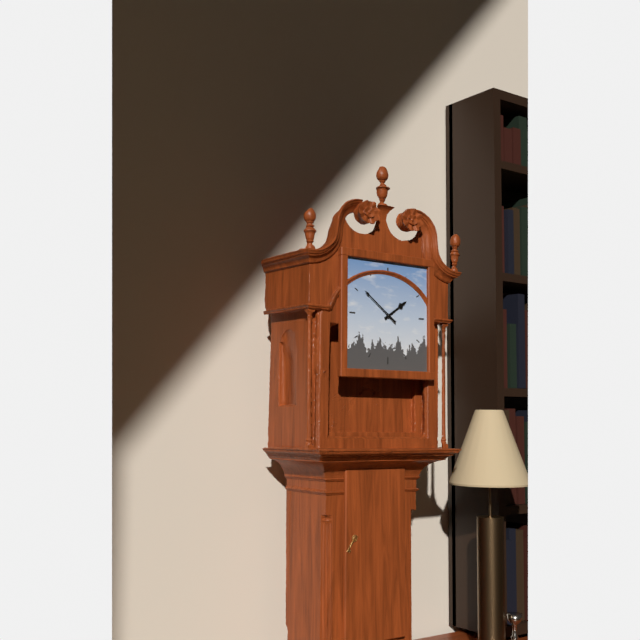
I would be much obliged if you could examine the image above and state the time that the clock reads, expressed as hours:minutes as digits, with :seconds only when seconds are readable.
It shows 1:51
